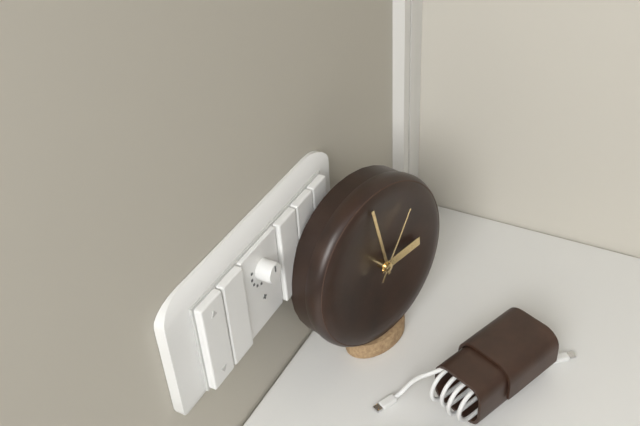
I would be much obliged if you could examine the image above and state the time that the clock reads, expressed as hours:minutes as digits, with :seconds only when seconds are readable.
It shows 2:58:06
